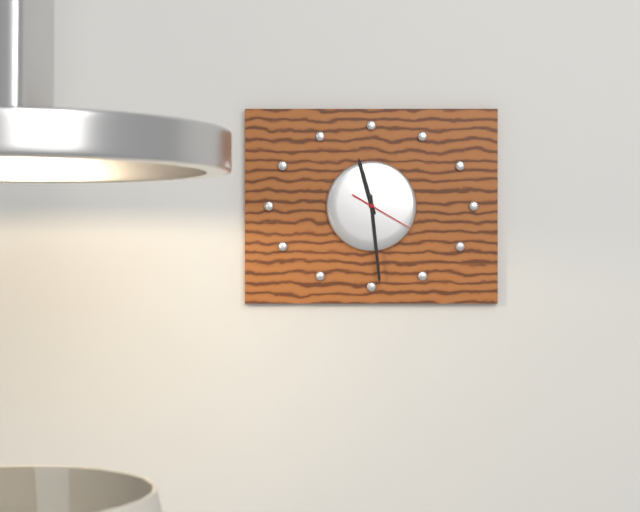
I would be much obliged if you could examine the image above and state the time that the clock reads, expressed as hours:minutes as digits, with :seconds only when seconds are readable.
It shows 11:29:20
